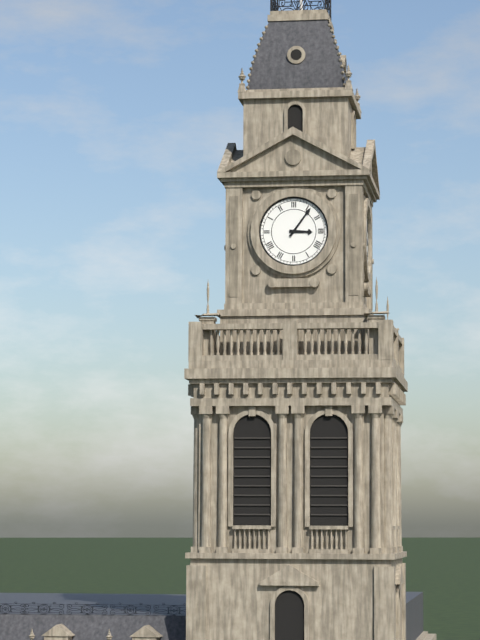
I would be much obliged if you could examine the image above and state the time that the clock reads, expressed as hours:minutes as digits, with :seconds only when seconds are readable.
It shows 3:06
